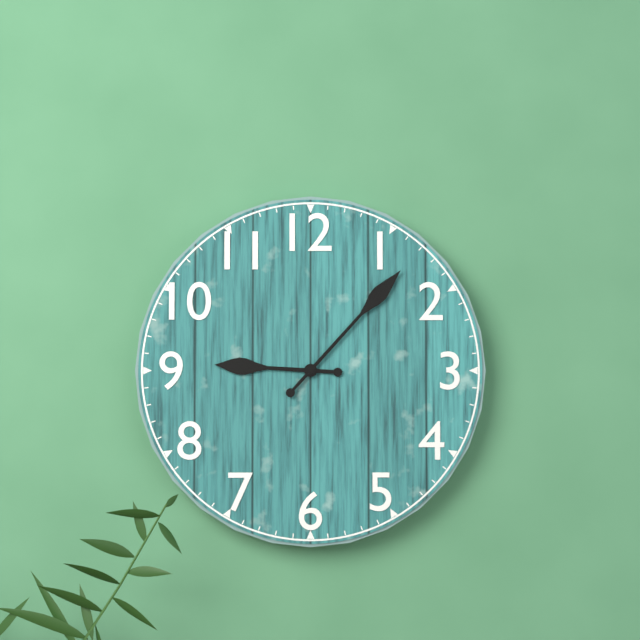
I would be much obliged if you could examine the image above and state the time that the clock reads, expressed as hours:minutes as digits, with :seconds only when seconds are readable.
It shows 9:07
